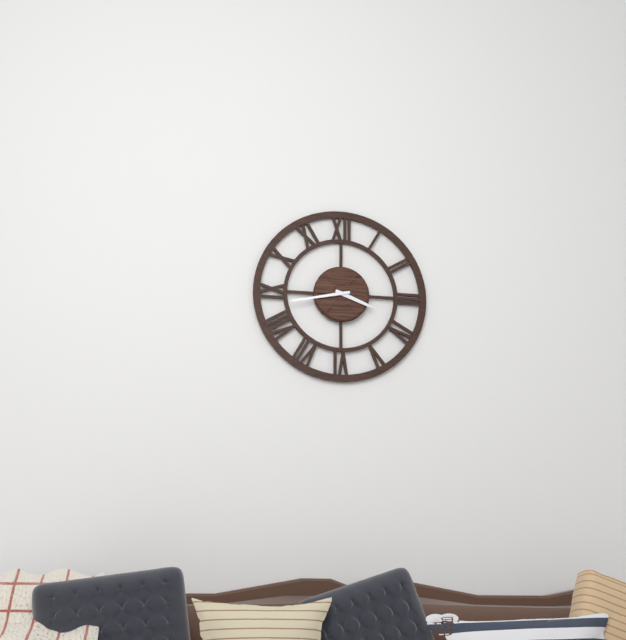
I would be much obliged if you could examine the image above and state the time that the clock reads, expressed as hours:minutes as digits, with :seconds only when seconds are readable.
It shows 3:43
